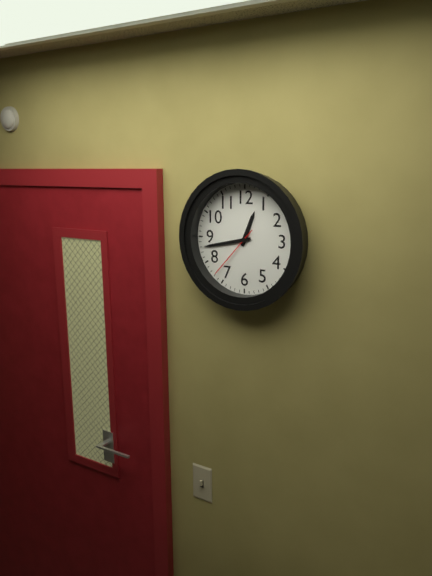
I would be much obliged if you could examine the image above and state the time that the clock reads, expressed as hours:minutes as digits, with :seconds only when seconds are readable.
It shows 12:43:37
